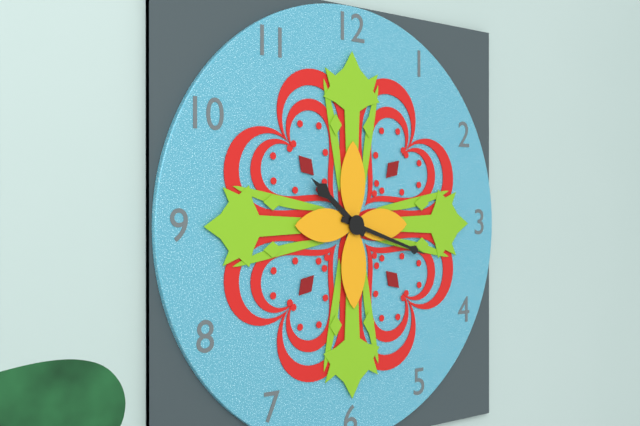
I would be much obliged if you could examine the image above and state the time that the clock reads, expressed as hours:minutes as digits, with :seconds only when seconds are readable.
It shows 10:18
